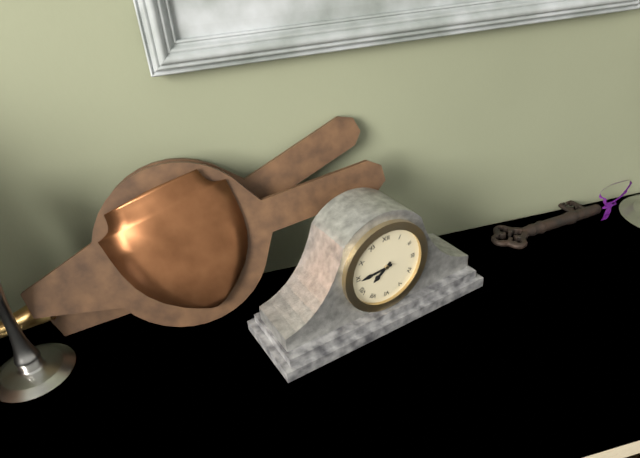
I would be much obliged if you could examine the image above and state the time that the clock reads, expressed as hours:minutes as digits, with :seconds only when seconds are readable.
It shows 7:44
